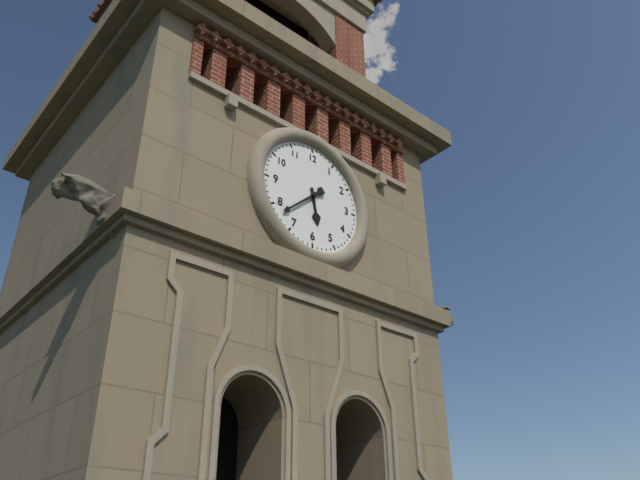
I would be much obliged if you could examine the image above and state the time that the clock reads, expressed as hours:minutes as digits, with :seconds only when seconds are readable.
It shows 5:38
